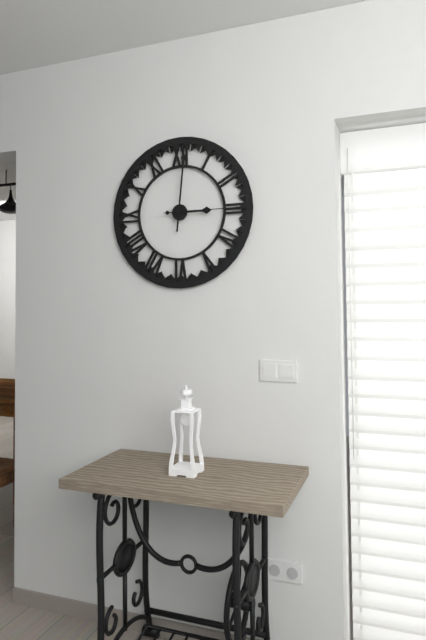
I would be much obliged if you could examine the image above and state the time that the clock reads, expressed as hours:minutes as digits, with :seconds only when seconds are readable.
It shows 3:01:15
